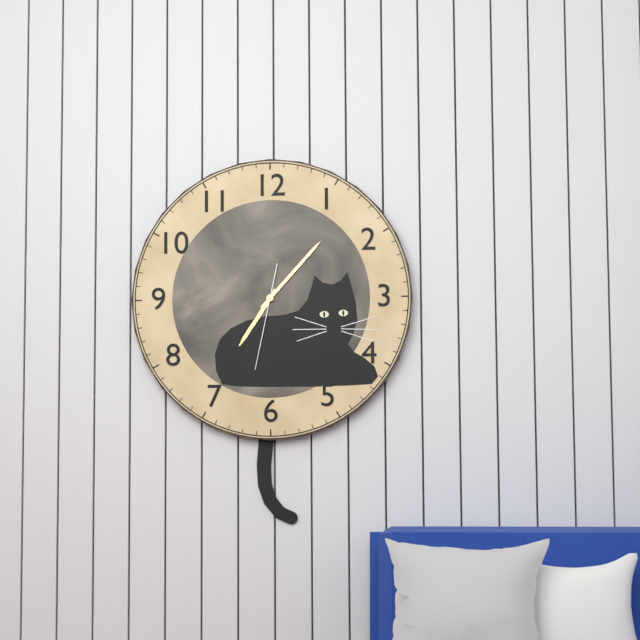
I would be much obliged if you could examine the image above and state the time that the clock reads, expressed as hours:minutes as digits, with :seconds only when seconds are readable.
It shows 7:07:32
